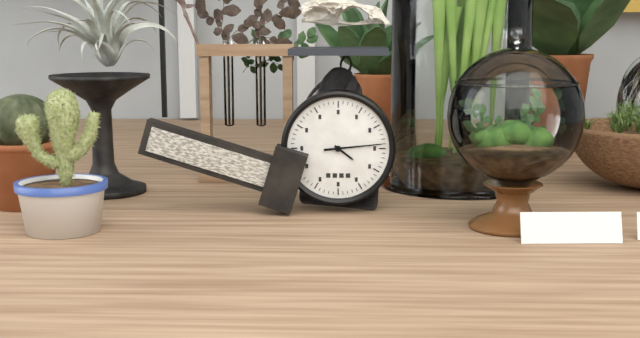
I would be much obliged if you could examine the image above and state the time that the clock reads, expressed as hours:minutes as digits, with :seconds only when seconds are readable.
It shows 4:14
